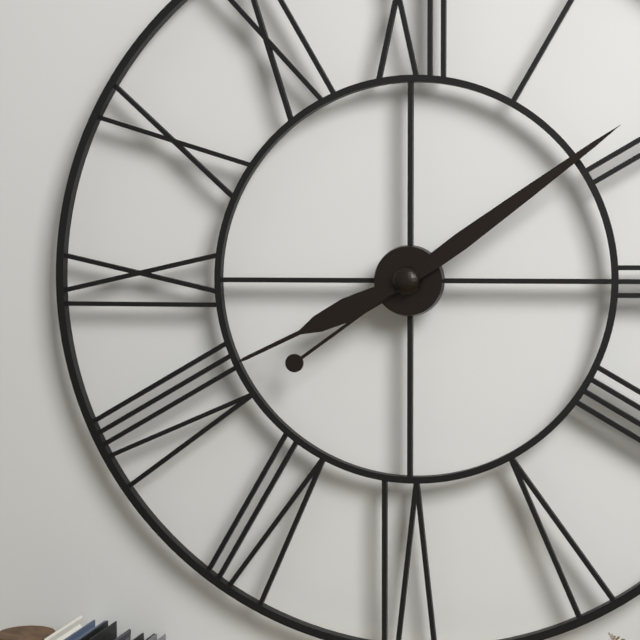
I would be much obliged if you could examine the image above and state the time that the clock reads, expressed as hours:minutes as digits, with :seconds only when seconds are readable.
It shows 8:09
